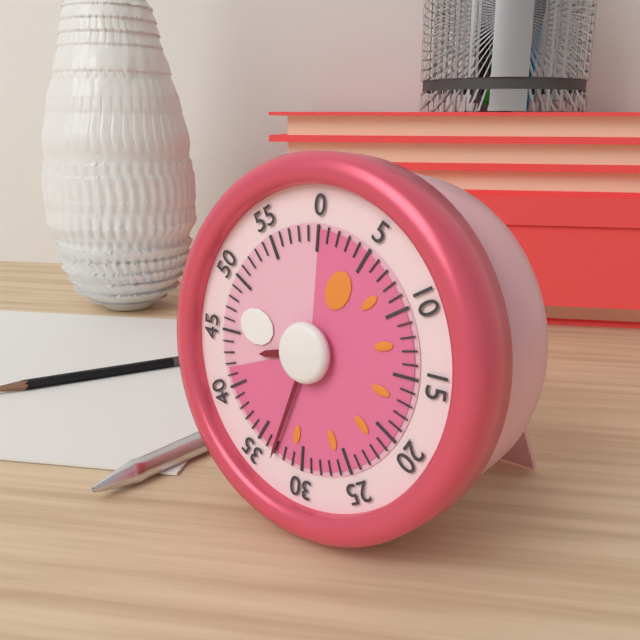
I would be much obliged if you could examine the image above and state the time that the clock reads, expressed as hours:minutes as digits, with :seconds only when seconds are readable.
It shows 8:33
